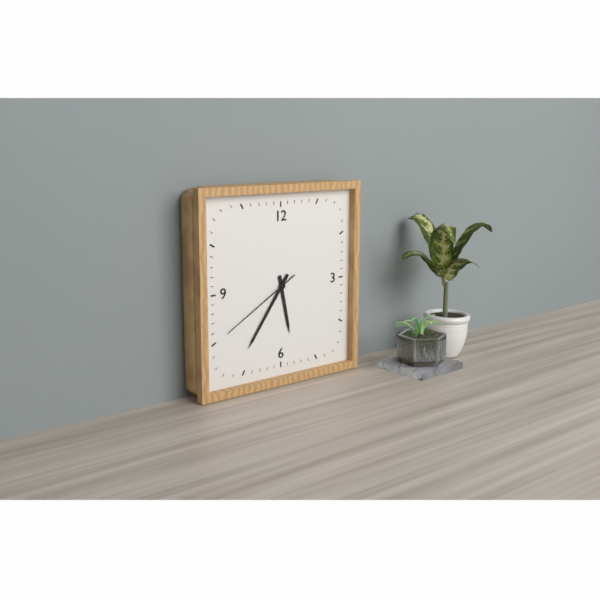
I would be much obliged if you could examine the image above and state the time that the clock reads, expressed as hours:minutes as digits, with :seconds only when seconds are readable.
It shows 5:36:40
